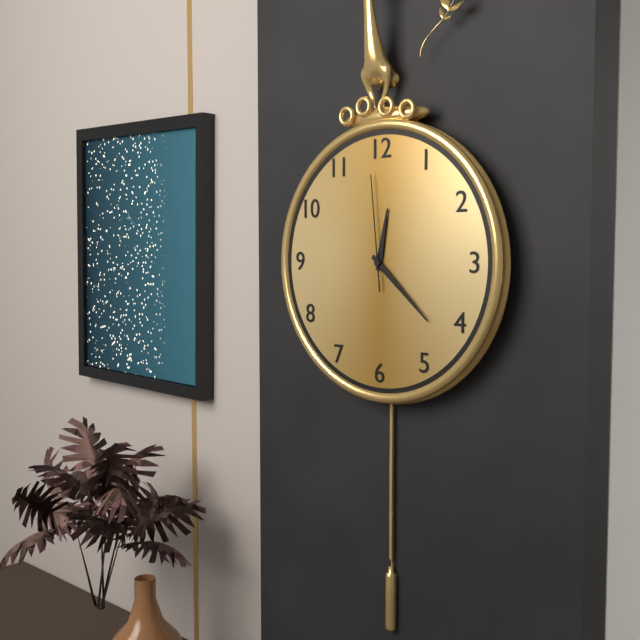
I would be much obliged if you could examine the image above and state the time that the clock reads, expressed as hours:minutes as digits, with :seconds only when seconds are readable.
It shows 12:22:59
